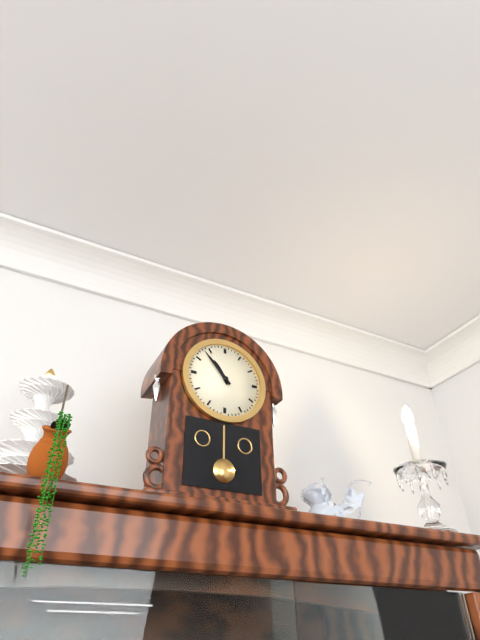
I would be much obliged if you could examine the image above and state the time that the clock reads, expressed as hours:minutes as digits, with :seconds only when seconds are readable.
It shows 10:53
